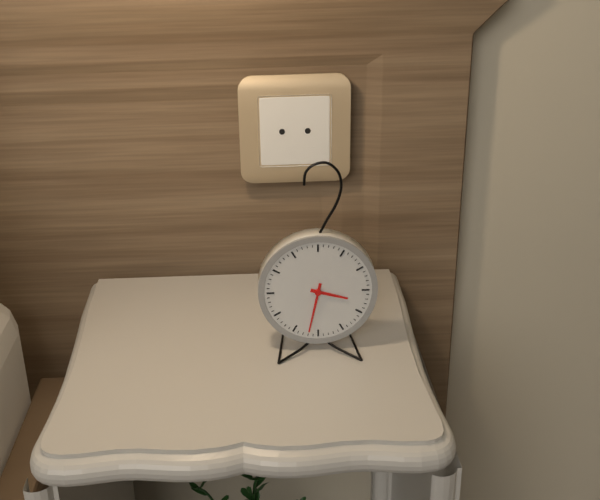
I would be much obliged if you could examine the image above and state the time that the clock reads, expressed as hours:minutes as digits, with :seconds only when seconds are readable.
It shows 3:32
